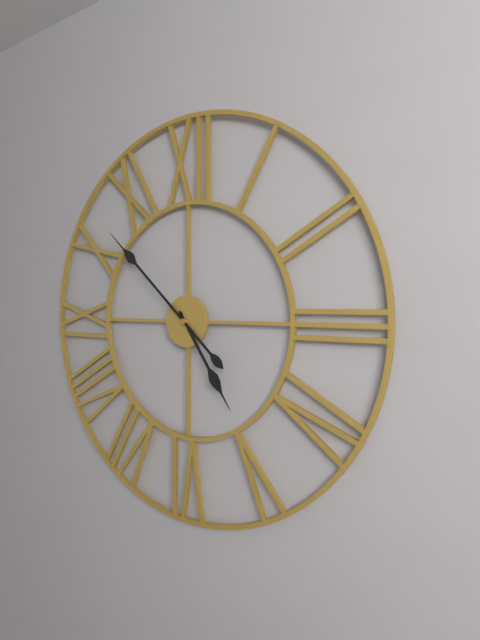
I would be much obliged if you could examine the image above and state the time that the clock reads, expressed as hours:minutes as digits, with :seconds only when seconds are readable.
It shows 4:52
